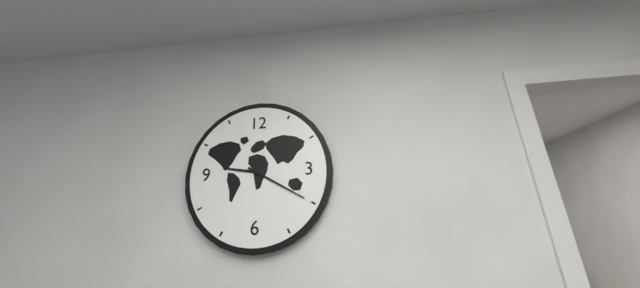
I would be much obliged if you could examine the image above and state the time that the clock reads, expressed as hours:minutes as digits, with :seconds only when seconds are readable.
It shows 9:20
